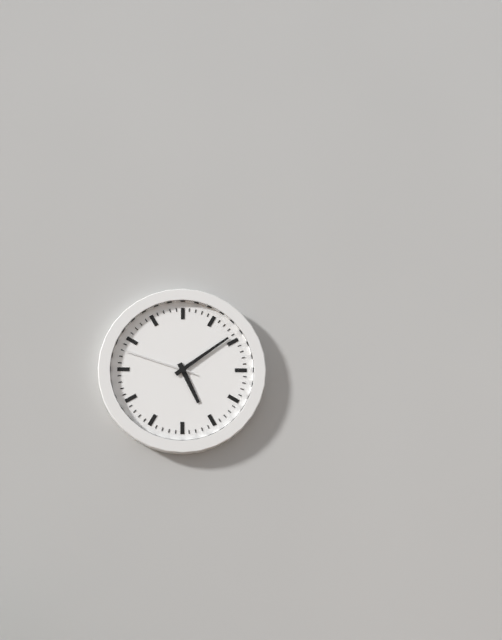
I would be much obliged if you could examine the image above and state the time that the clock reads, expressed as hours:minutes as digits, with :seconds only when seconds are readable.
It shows 5:09:48
